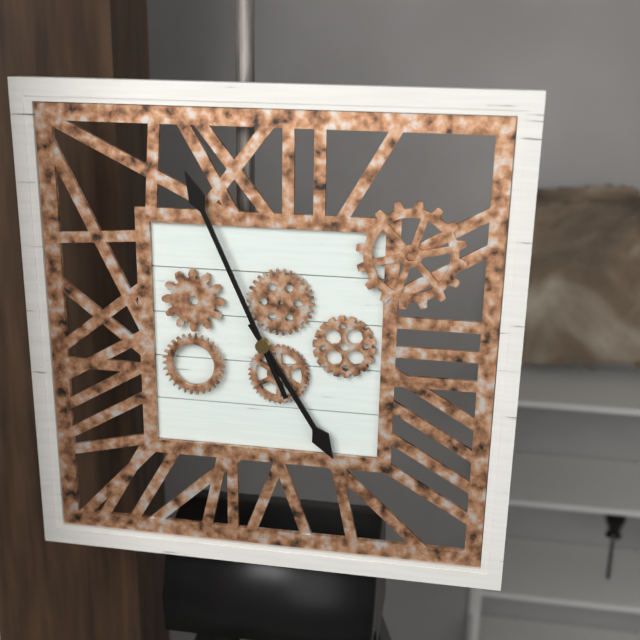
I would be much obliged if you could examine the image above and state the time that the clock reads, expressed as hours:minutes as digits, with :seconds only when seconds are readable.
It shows 4:56
